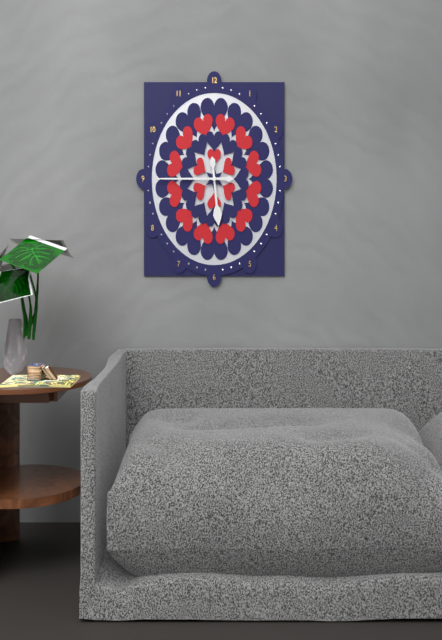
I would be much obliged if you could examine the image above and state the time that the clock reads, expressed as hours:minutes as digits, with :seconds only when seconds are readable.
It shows 5:45
